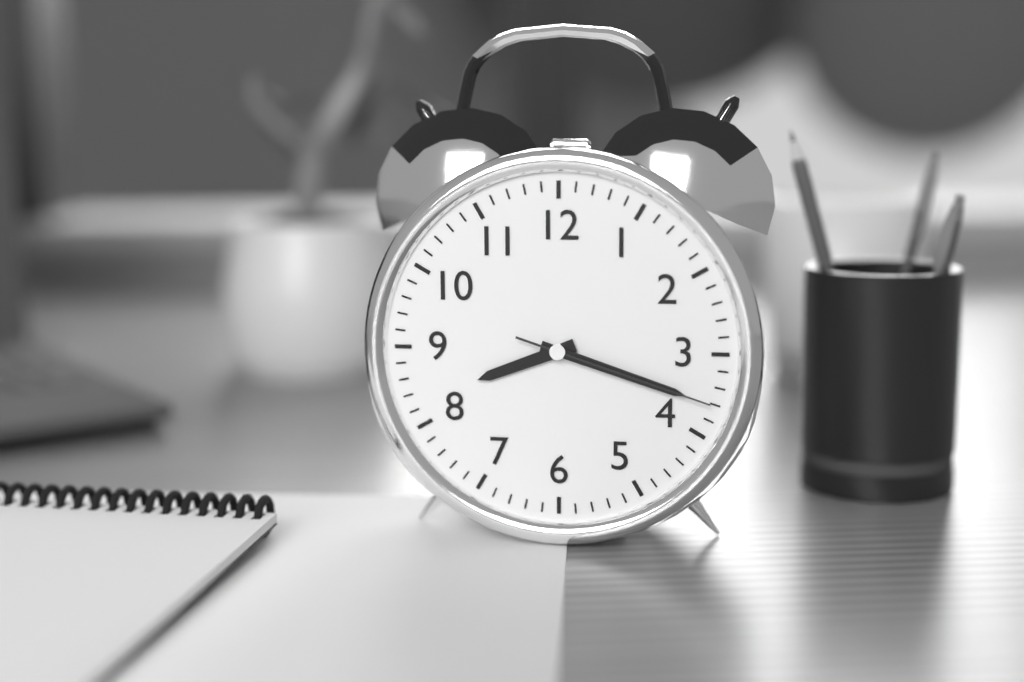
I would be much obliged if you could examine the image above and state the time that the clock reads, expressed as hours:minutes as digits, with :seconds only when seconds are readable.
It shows 8:18:18
